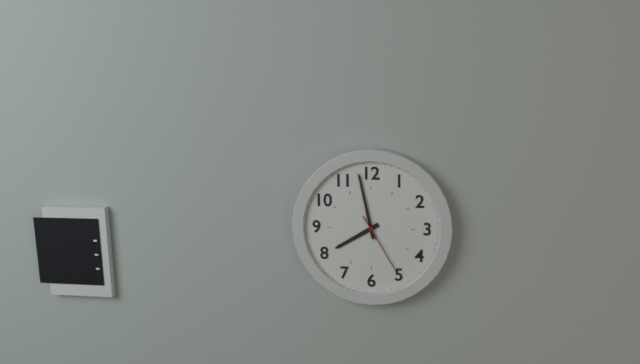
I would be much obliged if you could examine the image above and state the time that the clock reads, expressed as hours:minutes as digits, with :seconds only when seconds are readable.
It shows 7:58:25
